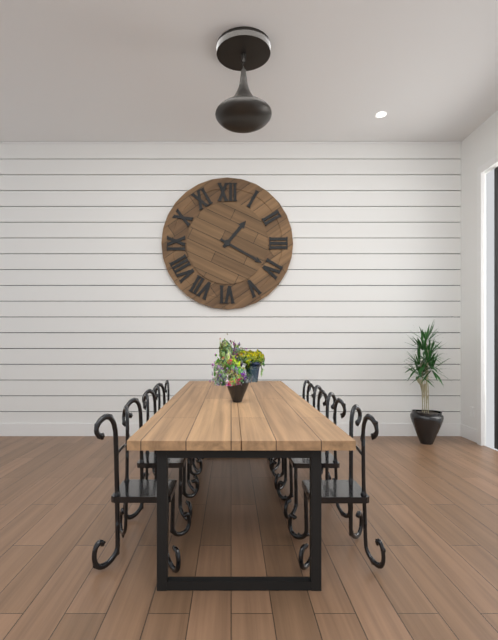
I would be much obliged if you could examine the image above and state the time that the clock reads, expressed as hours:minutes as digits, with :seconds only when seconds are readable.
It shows 1:20
